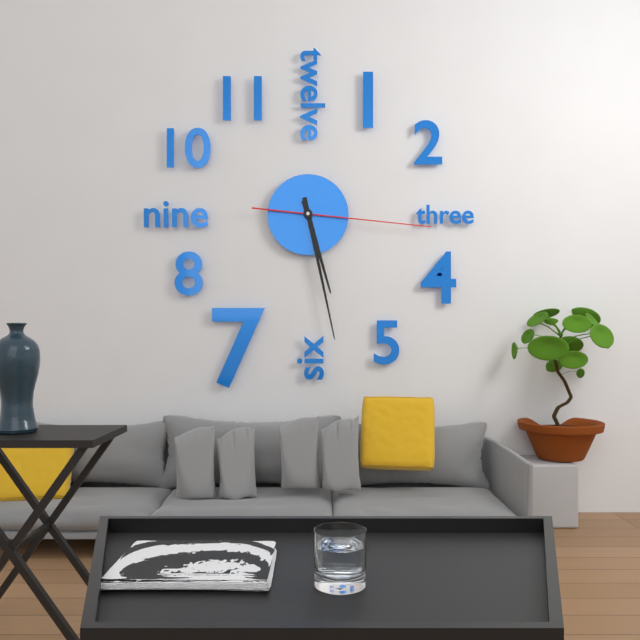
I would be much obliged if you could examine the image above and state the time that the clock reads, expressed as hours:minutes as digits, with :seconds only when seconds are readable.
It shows 5:28:16
